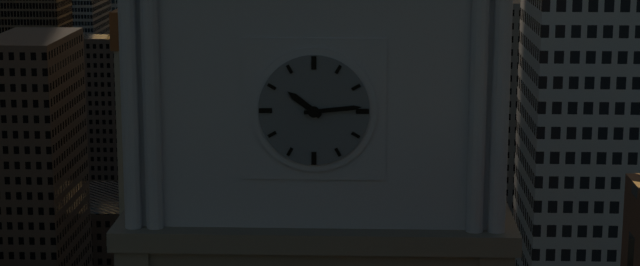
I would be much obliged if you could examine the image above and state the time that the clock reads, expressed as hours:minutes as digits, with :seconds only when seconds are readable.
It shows 10:14
